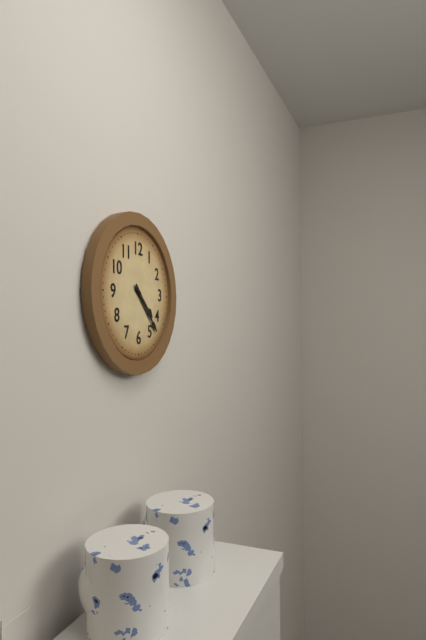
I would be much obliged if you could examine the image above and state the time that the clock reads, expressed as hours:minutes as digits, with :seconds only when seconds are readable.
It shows 4:23
